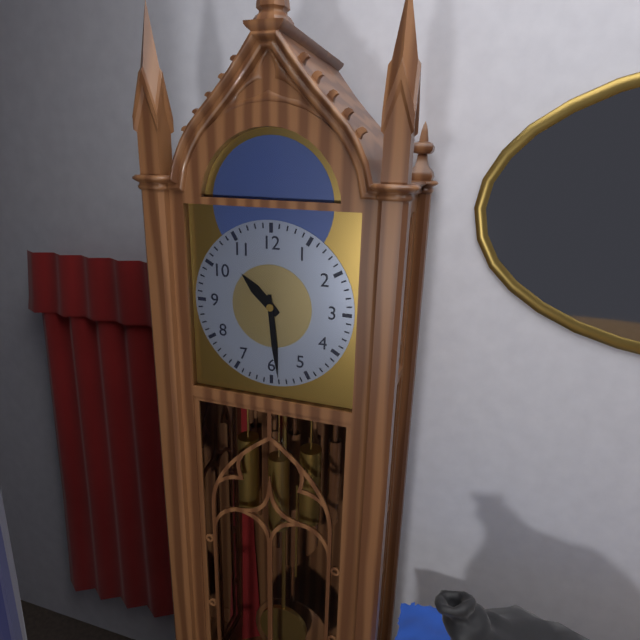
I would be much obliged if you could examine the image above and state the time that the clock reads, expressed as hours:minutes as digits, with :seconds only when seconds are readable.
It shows 10:29
